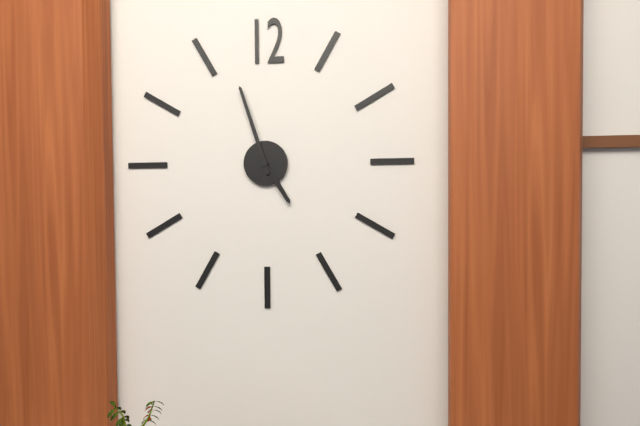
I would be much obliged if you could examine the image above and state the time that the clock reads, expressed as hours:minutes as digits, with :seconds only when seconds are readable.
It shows 4:57
